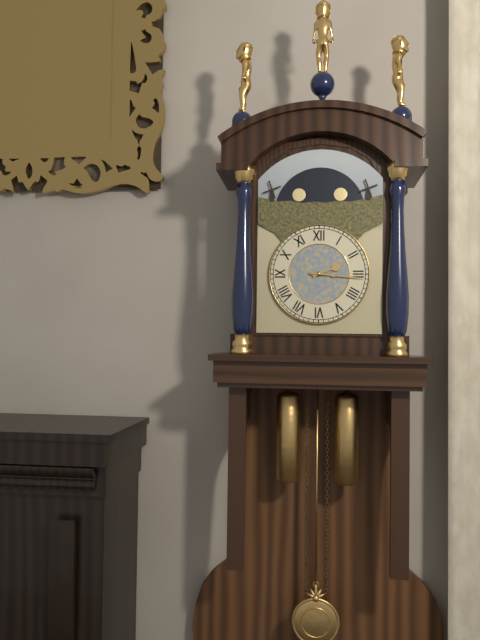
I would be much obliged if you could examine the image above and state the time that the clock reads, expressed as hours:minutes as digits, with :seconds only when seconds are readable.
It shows 2:16
